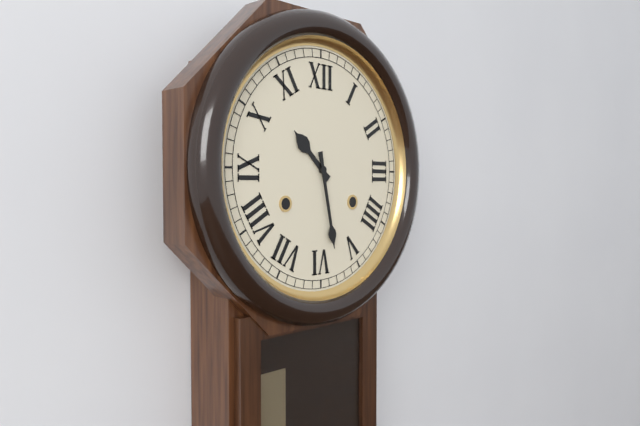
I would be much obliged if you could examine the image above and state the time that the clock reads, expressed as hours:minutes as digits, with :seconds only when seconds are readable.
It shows 10:28
